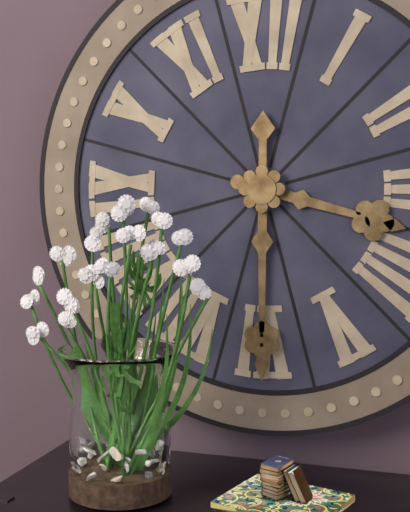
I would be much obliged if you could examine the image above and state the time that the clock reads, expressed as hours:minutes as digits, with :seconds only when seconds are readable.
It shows 3:30
